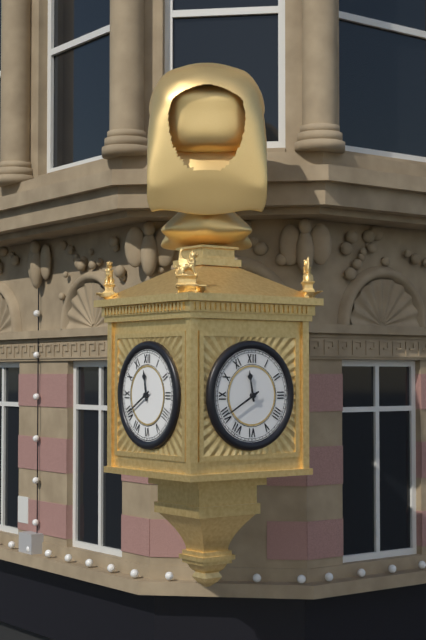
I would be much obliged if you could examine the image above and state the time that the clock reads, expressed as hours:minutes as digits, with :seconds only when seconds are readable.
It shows 11:40
